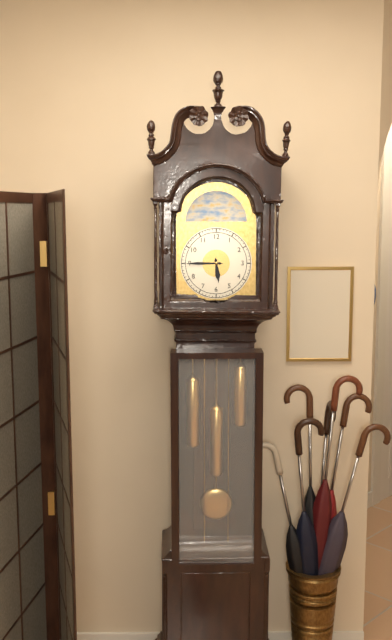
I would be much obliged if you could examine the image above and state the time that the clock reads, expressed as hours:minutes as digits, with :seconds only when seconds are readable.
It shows 5:45
